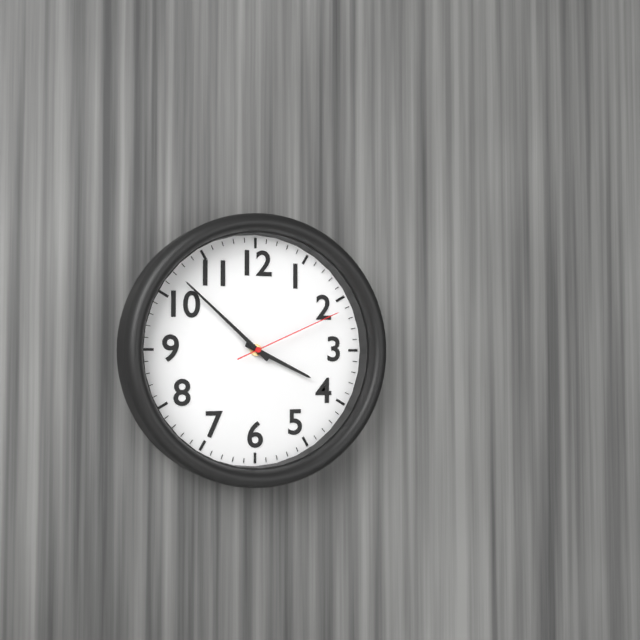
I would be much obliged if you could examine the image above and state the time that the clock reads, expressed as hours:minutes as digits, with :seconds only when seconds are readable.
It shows 3:52:11
